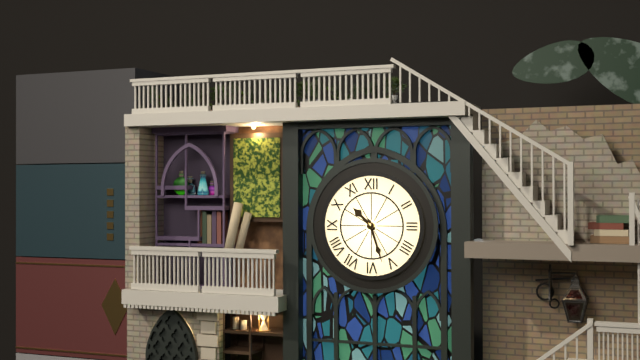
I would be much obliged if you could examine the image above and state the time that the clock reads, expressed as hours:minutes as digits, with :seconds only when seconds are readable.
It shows 10:27
